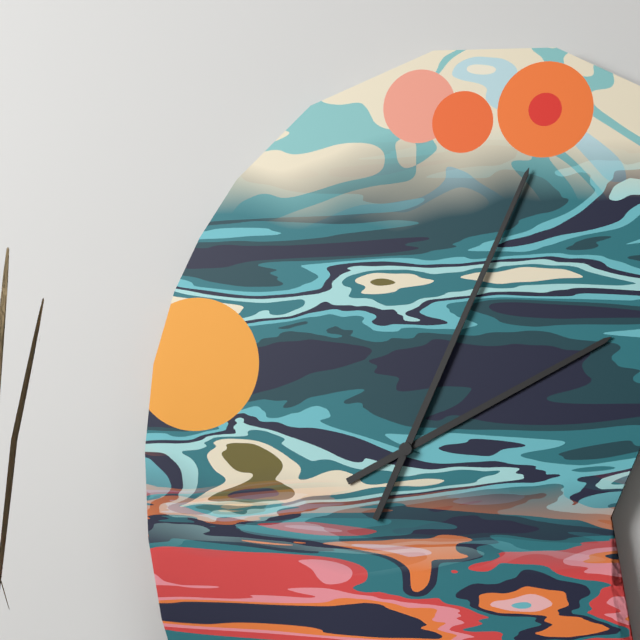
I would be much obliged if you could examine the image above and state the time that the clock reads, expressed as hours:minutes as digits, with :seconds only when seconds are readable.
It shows 2:04
